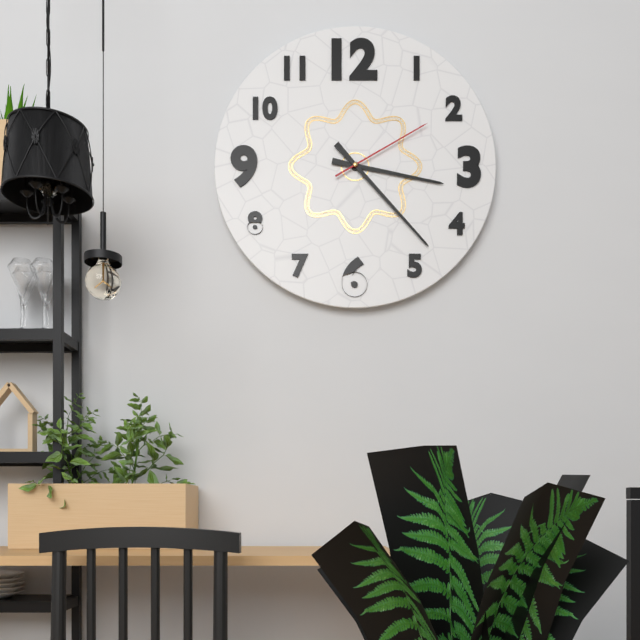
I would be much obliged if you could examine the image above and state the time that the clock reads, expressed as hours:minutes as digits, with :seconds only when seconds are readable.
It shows 3:23:10
